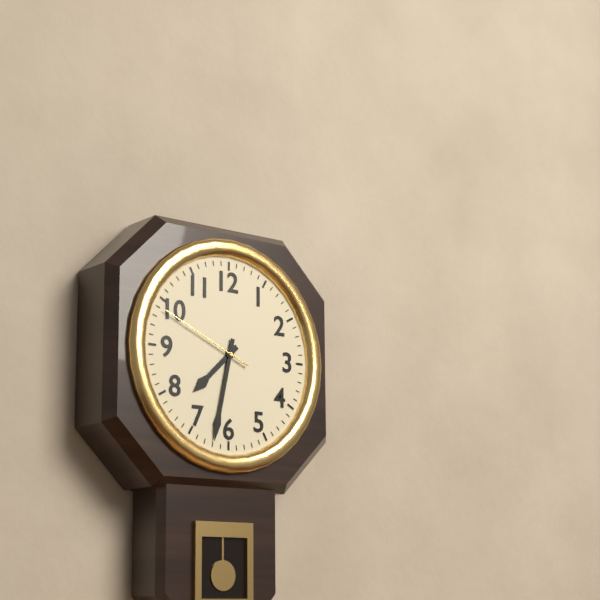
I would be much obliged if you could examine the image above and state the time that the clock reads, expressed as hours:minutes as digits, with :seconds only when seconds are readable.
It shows 7:32:49
